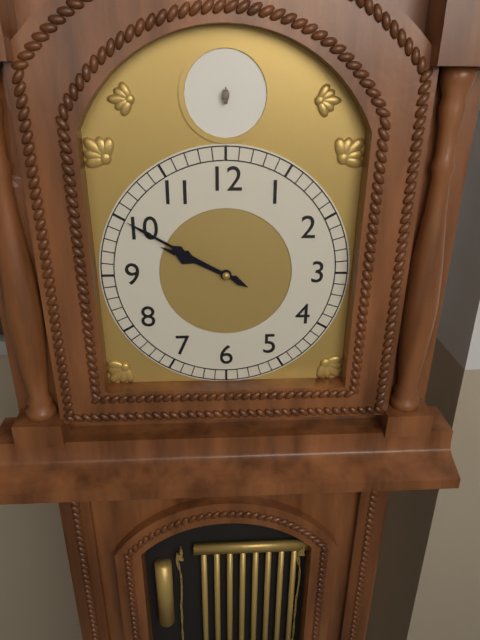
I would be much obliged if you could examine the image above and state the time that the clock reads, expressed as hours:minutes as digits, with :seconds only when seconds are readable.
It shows 9:50
